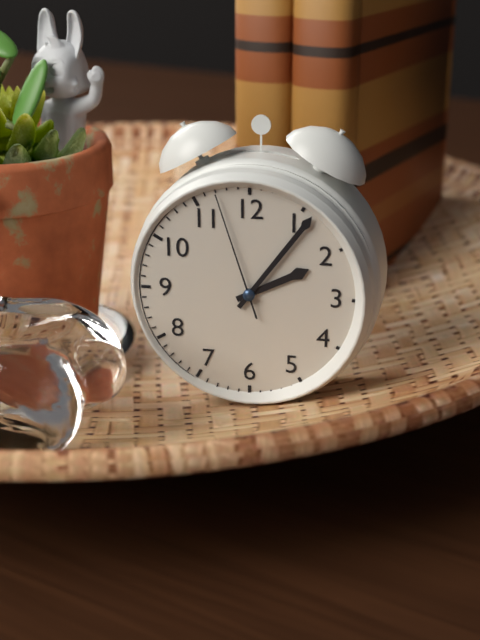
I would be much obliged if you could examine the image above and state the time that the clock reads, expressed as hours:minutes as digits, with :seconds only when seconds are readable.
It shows 2:06:57
